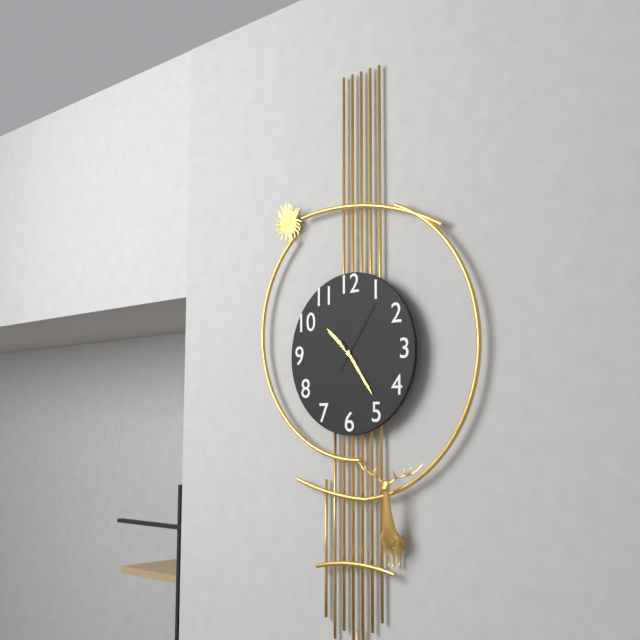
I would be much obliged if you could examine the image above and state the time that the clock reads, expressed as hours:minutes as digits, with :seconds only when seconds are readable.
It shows 10:24:06
